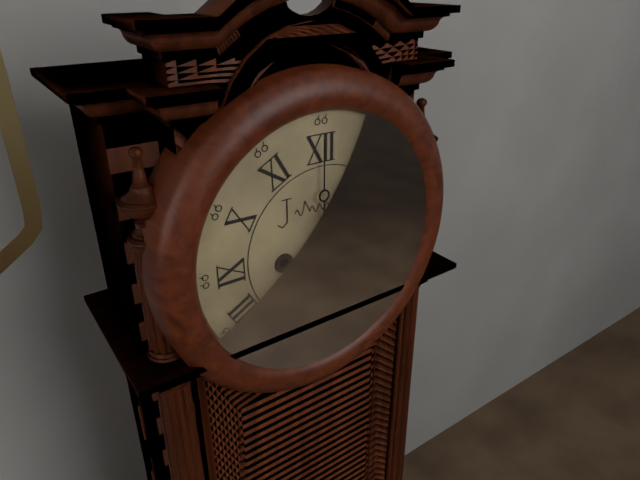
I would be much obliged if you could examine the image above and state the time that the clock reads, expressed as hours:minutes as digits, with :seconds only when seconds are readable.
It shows 6:00
